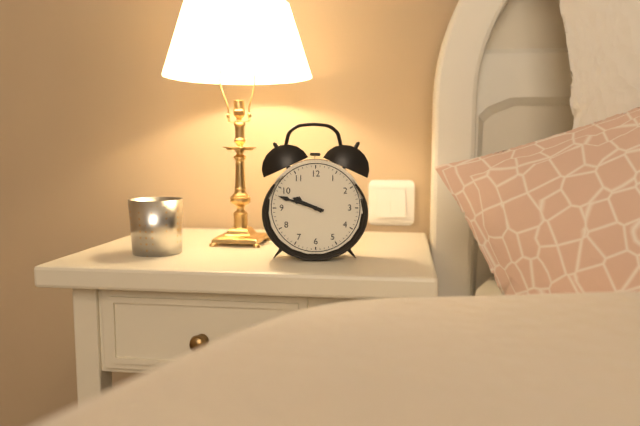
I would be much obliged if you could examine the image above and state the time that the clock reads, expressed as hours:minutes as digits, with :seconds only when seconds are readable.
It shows 9:48
